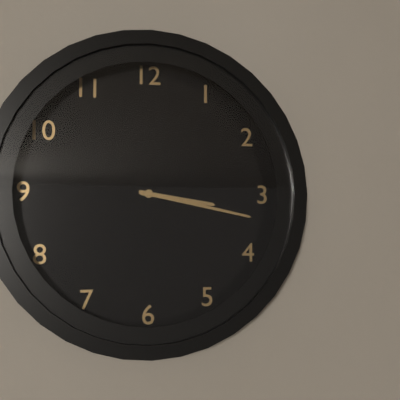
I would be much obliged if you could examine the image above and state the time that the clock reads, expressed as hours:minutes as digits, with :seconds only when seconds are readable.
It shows 3:17
